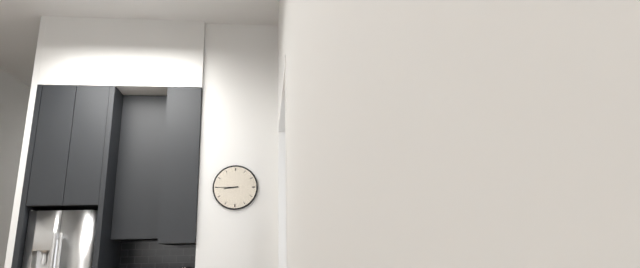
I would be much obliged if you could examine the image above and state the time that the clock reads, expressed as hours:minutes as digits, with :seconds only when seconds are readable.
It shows 8:45
